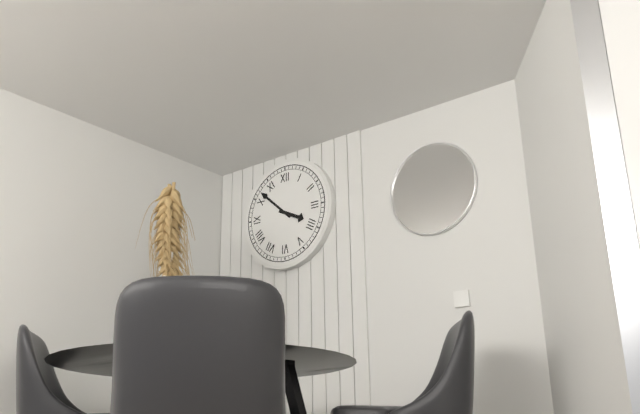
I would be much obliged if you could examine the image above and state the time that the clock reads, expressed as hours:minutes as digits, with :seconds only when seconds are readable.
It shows 3:52
